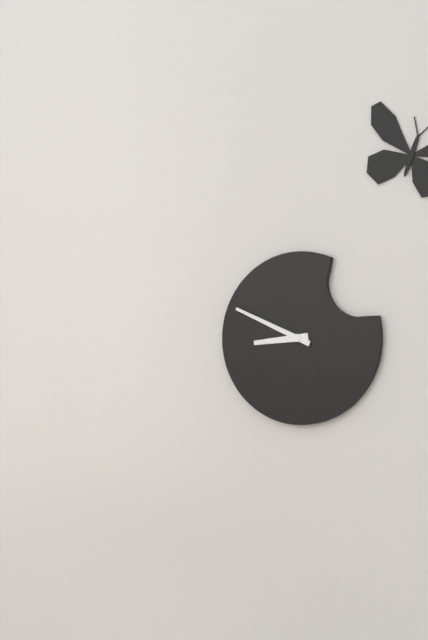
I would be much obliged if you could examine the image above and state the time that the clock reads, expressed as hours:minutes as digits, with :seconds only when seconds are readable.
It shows 8:49
